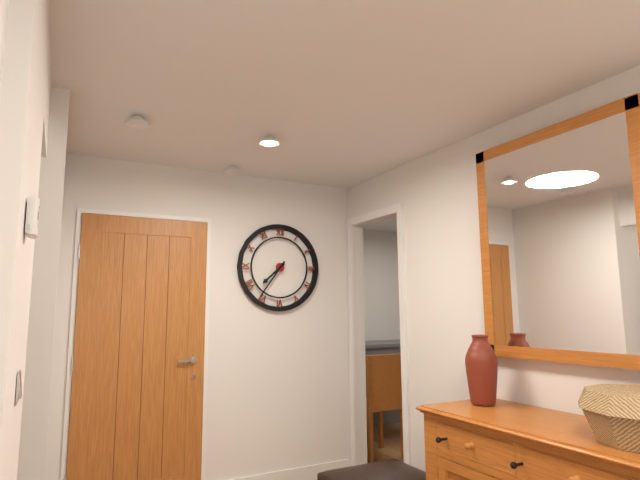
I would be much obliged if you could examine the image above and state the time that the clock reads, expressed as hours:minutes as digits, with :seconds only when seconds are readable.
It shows 7:36
